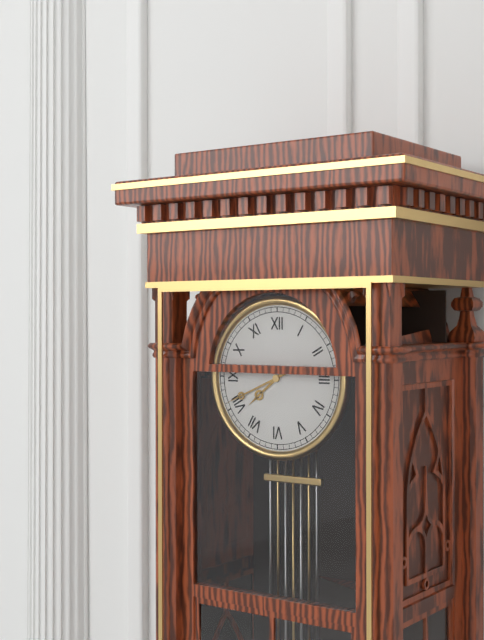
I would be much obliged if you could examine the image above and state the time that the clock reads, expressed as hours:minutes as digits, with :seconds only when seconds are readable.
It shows 7:41
